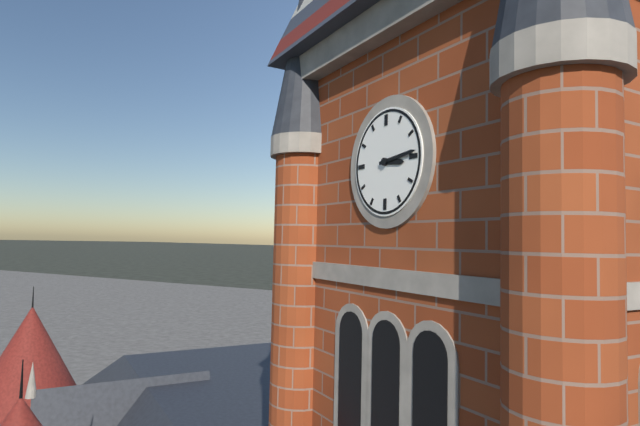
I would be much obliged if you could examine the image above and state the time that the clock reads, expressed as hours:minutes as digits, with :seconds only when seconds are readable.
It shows 3:14
